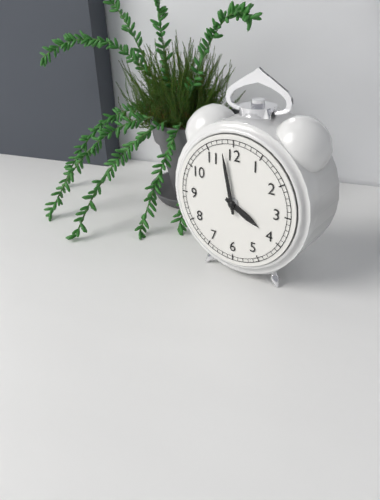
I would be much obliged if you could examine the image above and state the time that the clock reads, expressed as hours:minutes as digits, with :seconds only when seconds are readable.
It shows 3:58
